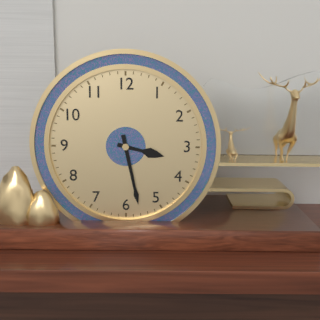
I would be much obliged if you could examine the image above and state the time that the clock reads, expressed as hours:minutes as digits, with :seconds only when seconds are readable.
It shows 3:28
